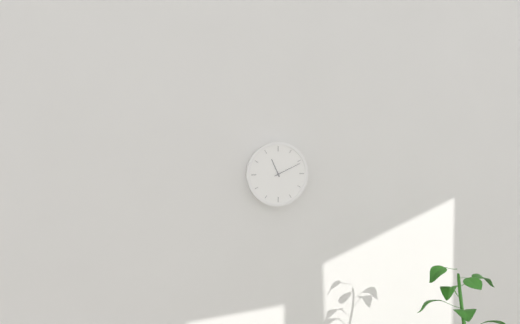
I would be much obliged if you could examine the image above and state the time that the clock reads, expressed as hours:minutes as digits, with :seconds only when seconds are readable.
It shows 11:11
